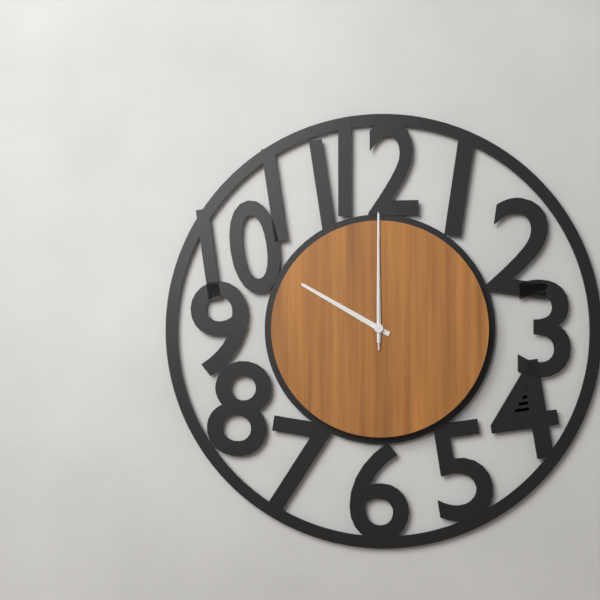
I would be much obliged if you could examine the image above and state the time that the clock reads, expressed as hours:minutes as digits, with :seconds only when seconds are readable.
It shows 10:00:00
